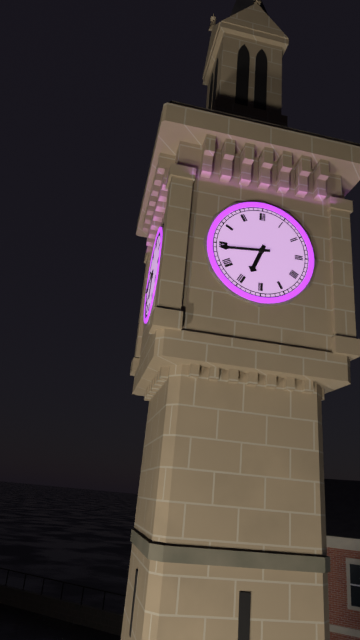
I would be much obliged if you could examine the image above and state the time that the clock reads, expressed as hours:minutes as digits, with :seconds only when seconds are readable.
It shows 6:44
